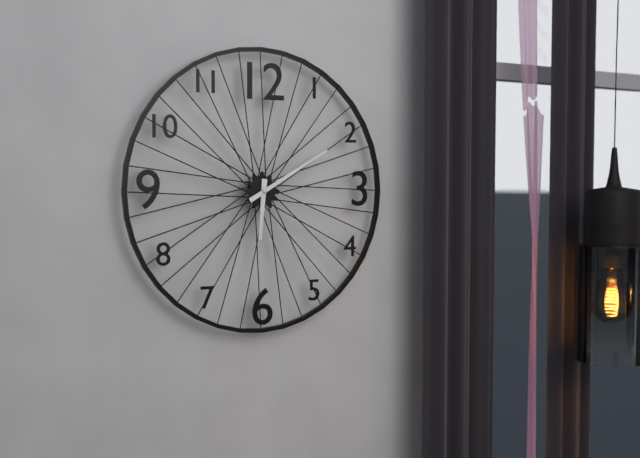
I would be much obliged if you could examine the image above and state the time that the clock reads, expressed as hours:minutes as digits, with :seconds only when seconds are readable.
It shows 6:10
